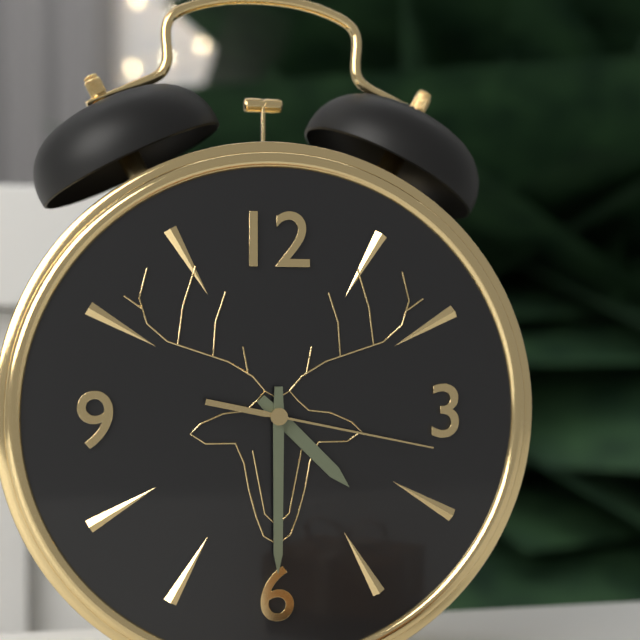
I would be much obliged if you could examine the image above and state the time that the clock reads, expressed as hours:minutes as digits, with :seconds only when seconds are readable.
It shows 4:30:17
